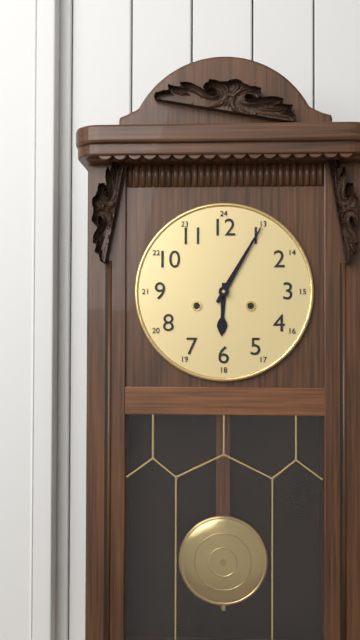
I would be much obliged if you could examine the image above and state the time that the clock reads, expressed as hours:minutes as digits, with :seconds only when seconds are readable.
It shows 6:05
